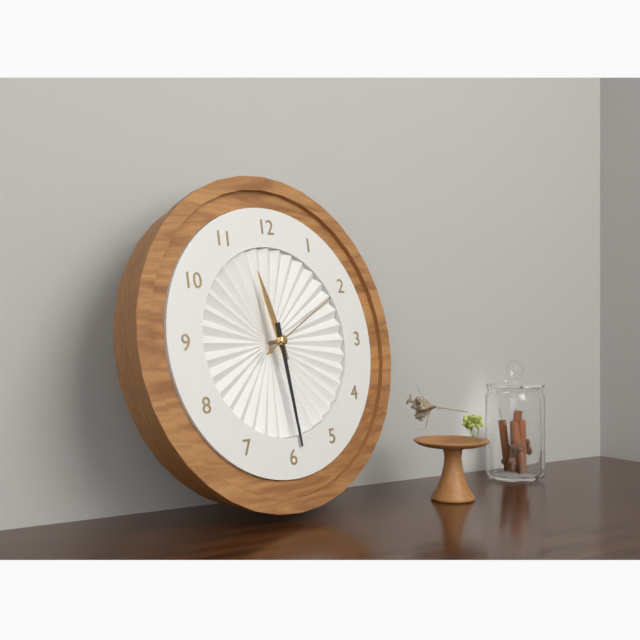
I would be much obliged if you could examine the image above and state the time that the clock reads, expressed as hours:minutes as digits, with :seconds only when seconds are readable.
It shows 11:29:10
